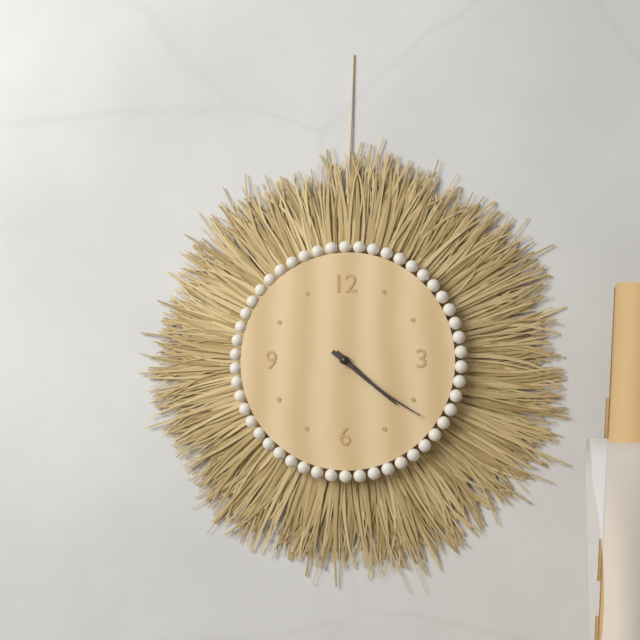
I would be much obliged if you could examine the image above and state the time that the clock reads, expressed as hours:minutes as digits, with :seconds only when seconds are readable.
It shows 4:21
